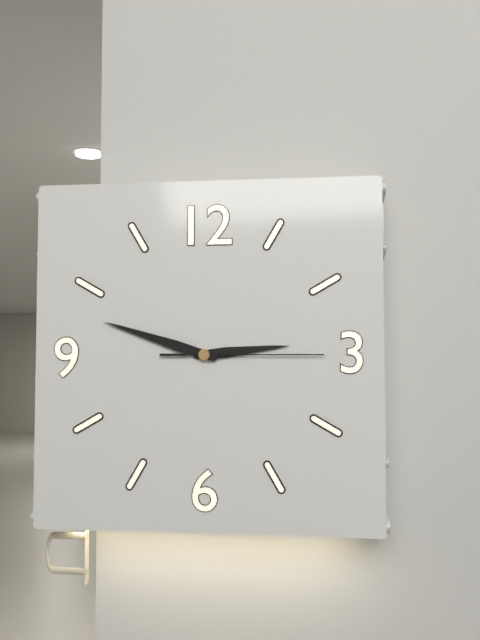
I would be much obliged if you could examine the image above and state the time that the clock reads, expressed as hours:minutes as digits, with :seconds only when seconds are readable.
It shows 2:48:15
